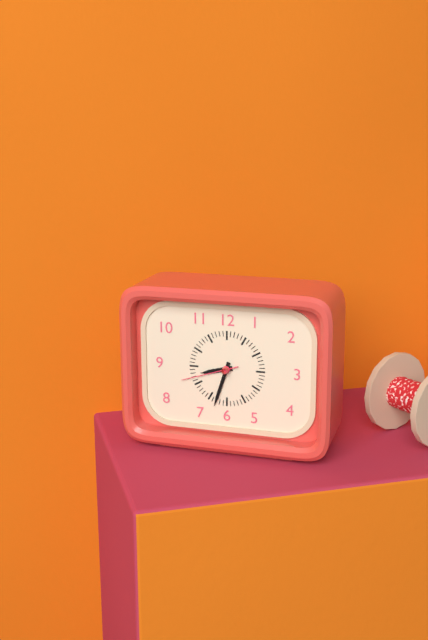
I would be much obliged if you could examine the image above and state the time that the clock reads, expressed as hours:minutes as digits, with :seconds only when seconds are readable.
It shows 8:33:42
